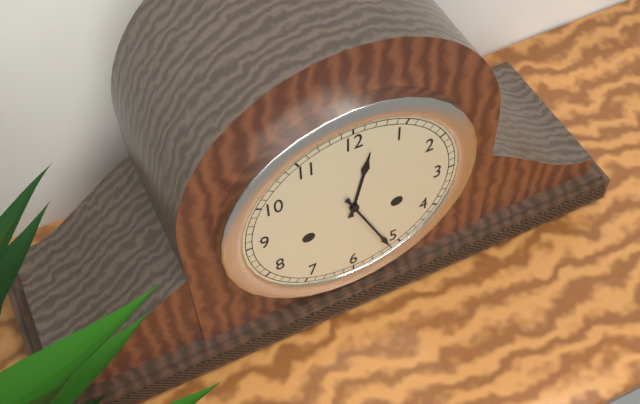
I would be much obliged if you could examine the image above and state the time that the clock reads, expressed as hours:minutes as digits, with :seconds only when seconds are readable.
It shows 12:26
